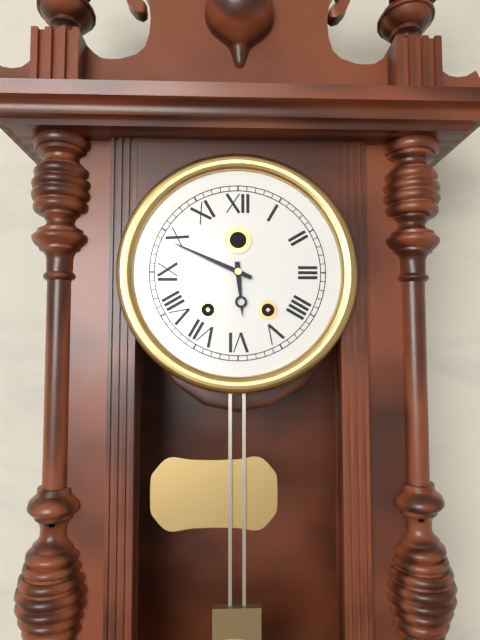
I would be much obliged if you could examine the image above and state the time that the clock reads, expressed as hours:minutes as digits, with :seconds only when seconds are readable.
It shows 5:49
